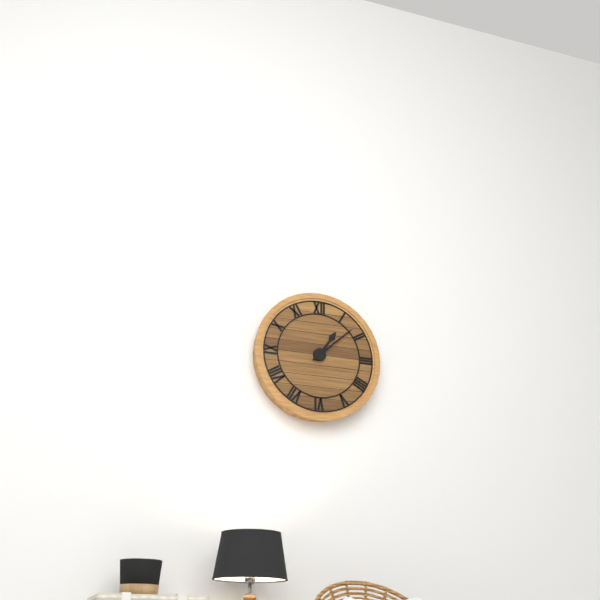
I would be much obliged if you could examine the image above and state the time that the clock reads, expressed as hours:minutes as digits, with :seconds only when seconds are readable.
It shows 1:08
